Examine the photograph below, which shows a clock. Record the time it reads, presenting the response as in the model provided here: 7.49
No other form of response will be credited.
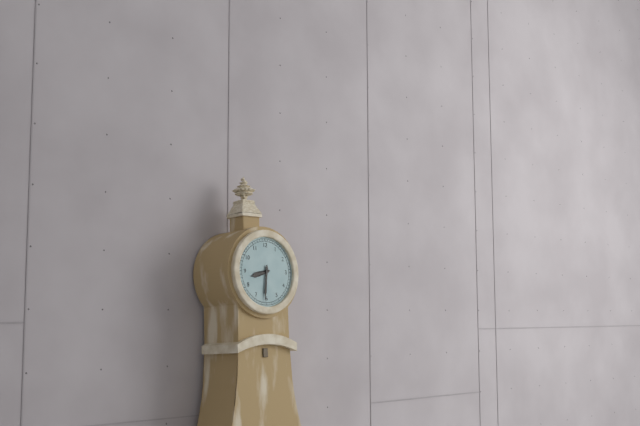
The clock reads 8.31
